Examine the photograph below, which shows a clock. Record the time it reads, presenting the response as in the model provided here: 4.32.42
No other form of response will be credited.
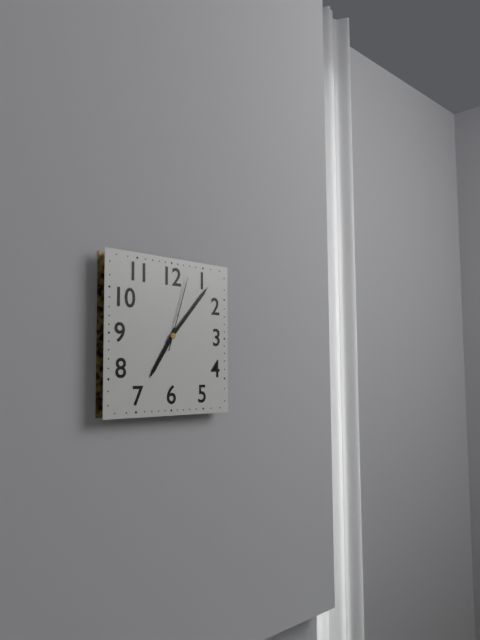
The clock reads 7.07.03
